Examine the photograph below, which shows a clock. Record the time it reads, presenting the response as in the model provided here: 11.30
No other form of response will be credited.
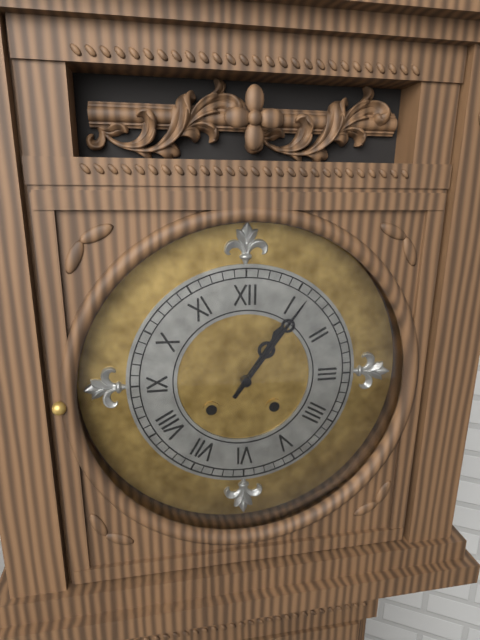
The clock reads 1.06
